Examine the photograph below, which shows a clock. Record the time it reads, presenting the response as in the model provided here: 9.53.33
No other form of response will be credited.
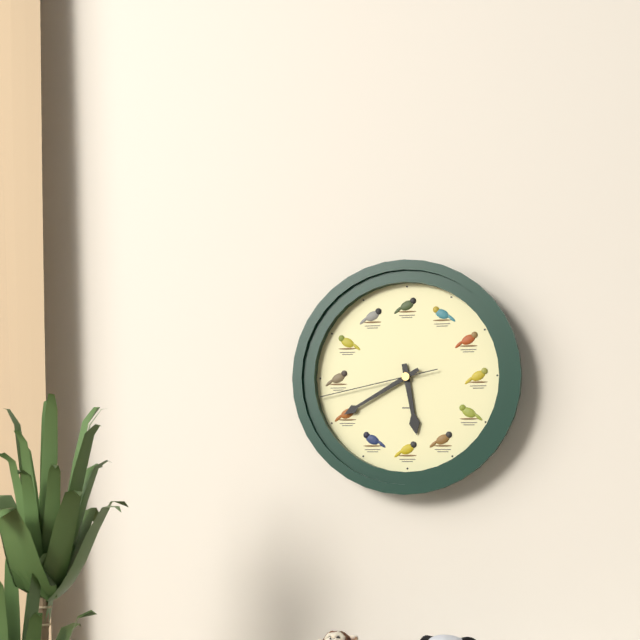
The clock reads 5.40.43
